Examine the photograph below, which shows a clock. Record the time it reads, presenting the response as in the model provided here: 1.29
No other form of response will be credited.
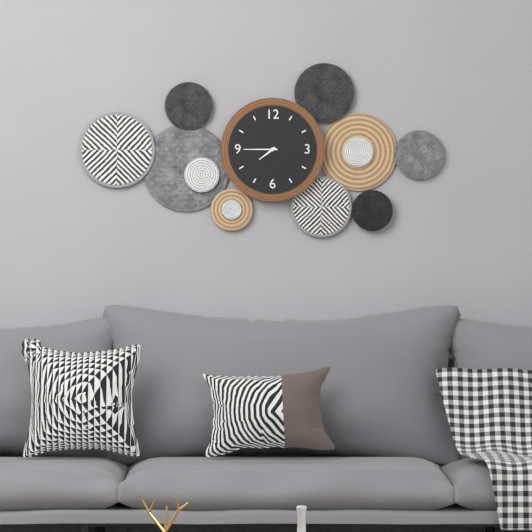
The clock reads 7.45
